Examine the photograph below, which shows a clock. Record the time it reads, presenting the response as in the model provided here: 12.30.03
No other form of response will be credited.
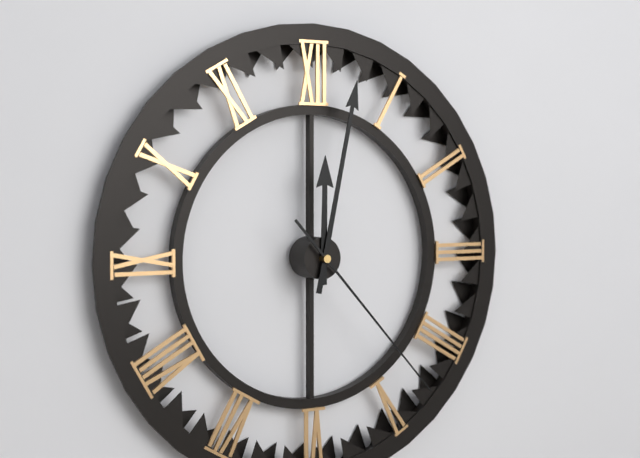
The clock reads 12.02.23
